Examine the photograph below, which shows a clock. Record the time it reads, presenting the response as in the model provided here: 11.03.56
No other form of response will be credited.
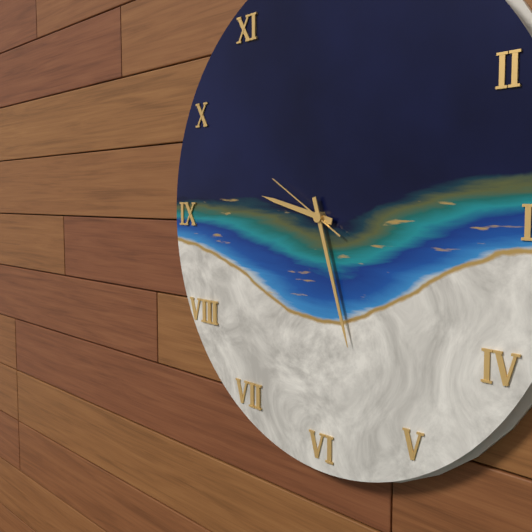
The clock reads 9.27.50
